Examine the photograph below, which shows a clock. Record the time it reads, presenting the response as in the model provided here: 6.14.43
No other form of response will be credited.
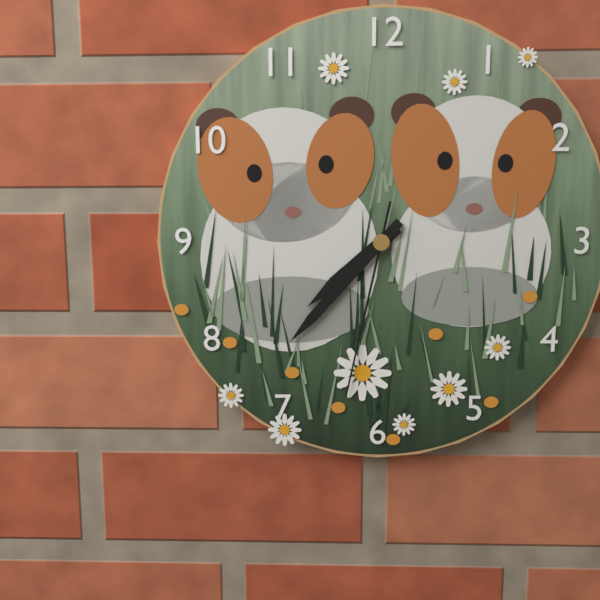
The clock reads 7.37.32
